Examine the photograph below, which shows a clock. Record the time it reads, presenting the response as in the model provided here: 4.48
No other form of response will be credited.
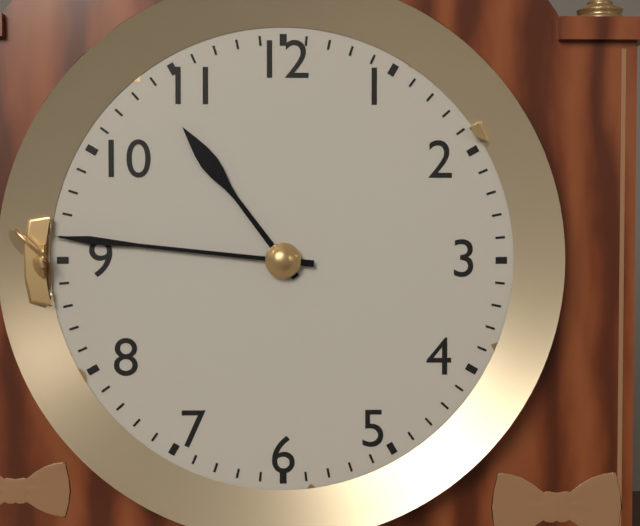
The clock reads 10.46
